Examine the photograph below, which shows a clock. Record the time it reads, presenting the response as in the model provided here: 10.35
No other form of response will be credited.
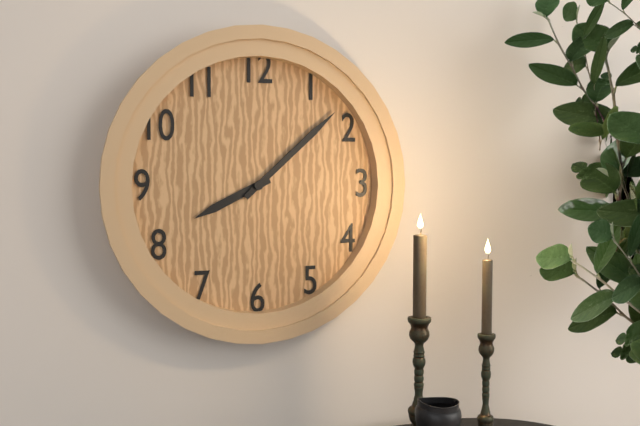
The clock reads 8.08
